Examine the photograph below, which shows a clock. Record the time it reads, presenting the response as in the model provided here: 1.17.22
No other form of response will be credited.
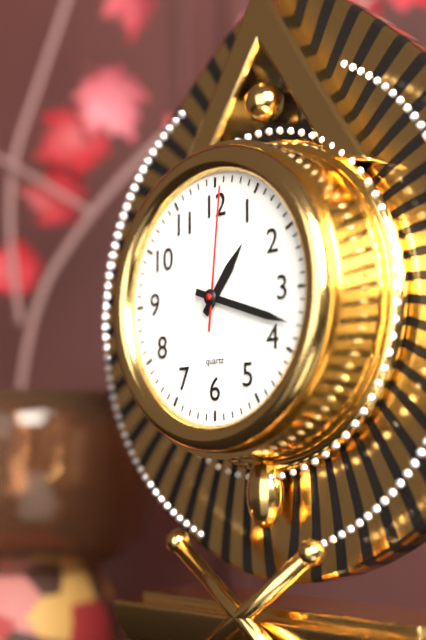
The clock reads 1.18.01
